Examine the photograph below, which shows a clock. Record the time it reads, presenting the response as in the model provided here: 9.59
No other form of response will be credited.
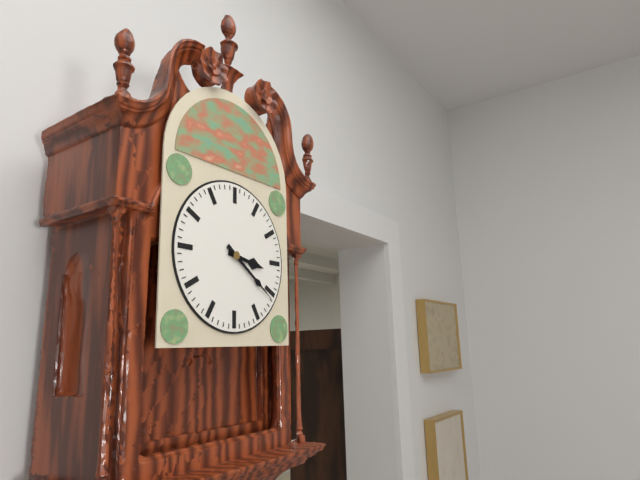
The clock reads 3.21
